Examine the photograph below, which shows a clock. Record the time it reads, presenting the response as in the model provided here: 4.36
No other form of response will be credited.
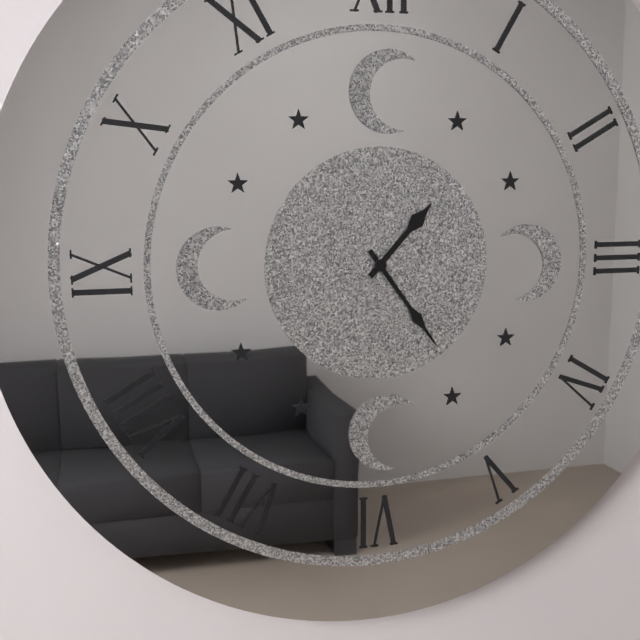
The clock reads 1.24
